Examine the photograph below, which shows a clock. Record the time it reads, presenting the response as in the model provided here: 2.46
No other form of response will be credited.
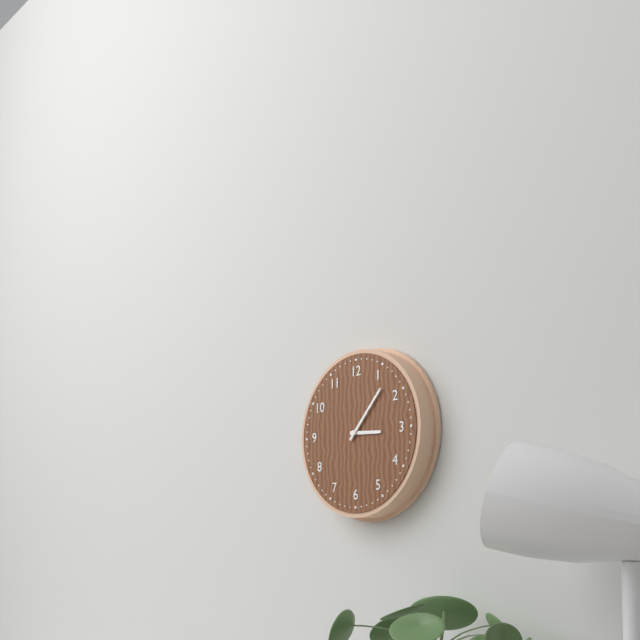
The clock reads 3.07
